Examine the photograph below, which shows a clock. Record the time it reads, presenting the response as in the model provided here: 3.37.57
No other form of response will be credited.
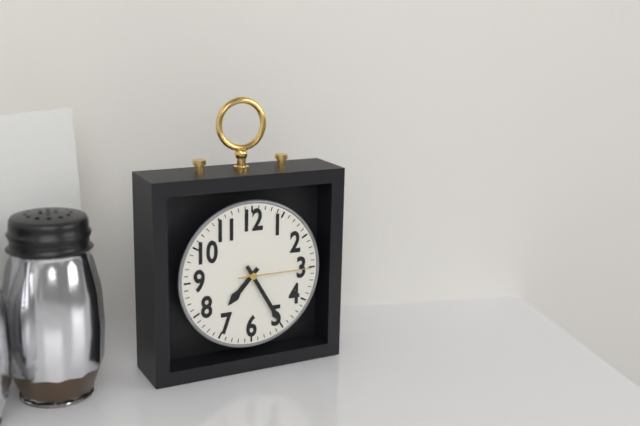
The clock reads 7.25.15
